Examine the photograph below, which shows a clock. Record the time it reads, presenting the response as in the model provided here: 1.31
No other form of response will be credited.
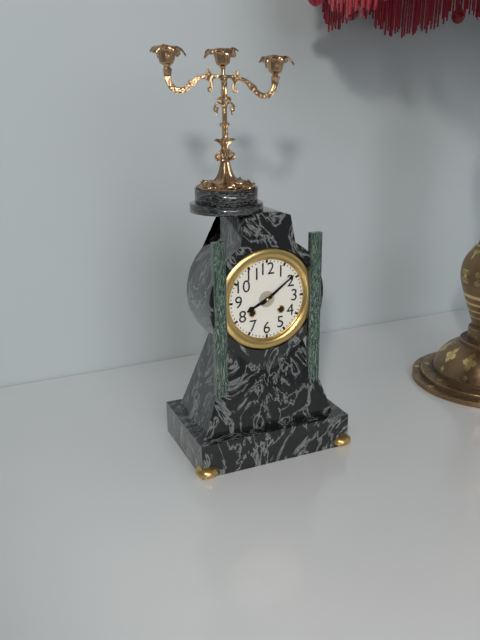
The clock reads 8.09
